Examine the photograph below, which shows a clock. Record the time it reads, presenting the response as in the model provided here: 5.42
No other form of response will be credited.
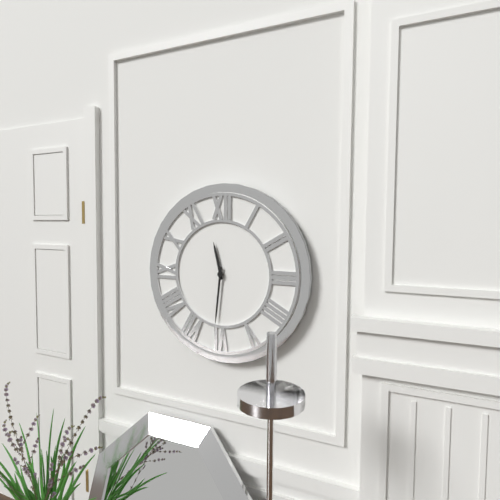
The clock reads 11.31
